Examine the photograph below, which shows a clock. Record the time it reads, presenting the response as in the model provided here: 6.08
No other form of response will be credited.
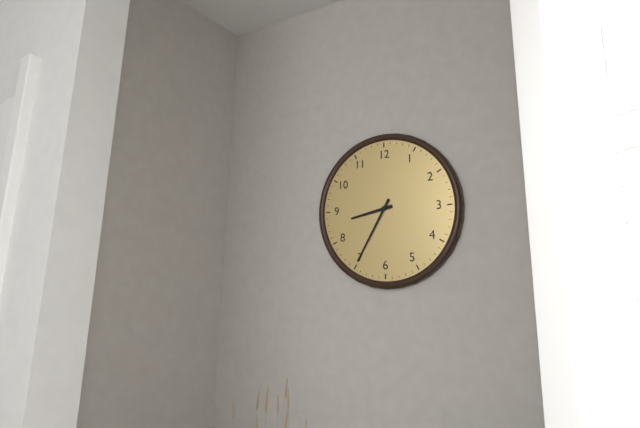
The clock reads 8.35
